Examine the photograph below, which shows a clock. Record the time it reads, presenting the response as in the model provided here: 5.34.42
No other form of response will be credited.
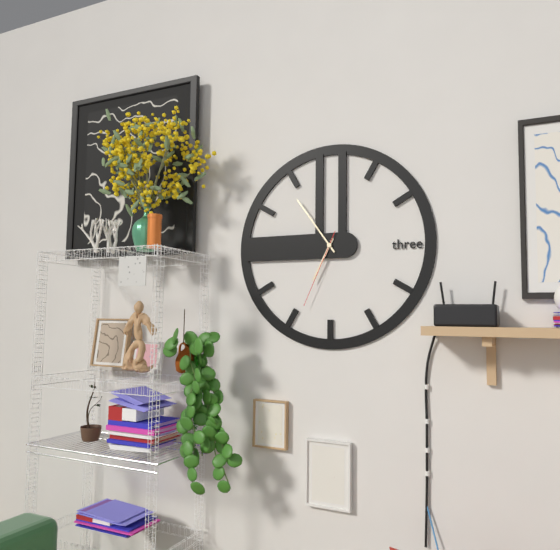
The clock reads 6.54.34
